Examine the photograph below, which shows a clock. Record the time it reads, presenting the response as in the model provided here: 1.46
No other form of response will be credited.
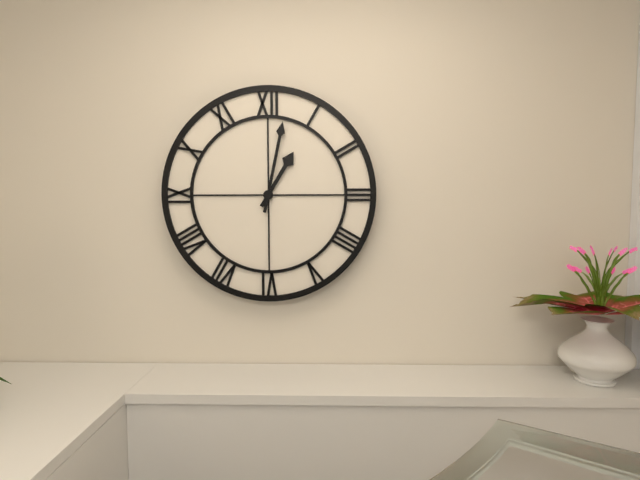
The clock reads 1.02
